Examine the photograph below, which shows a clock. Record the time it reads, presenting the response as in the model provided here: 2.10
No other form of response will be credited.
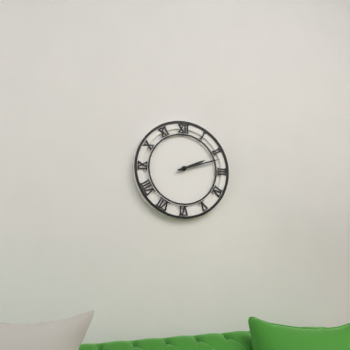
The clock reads 2.12
